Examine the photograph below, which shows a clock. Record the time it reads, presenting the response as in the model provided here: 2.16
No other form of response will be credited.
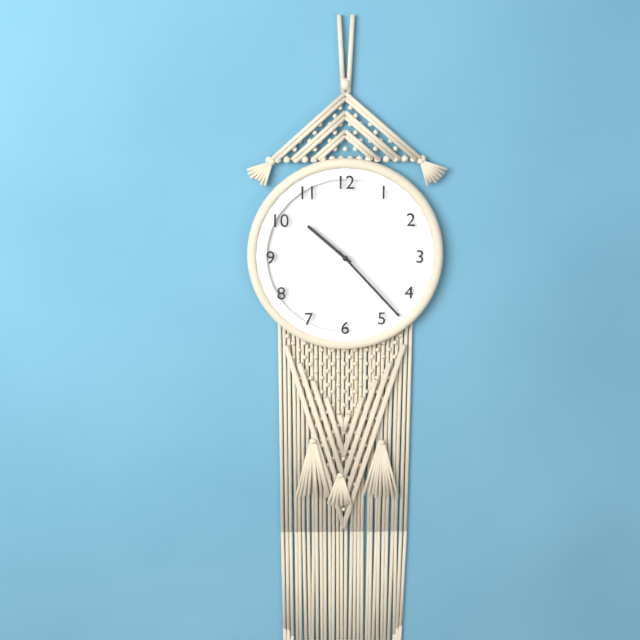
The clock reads 10.23
